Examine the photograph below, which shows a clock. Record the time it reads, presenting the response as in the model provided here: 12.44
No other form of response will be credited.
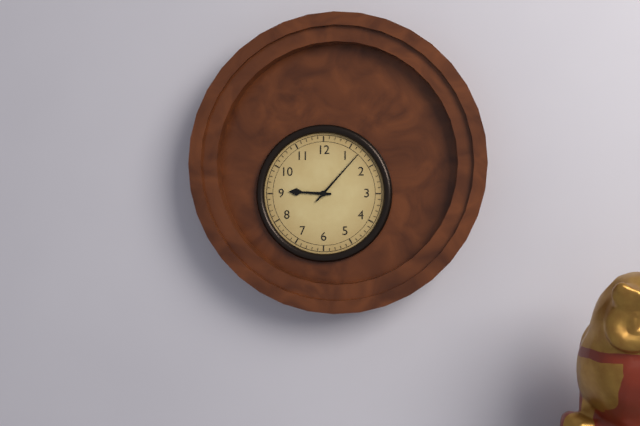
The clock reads 9.07
